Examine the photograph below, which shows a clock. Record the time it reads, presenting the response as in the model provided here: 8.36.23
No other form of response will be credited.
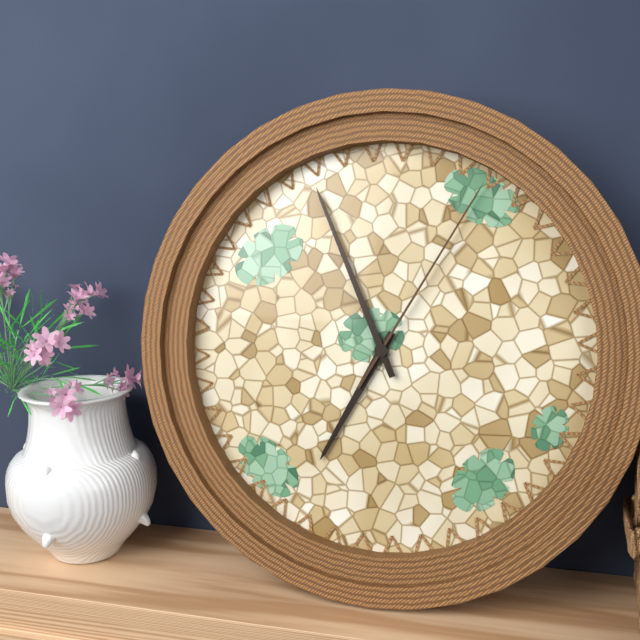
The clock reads 6.56.05
